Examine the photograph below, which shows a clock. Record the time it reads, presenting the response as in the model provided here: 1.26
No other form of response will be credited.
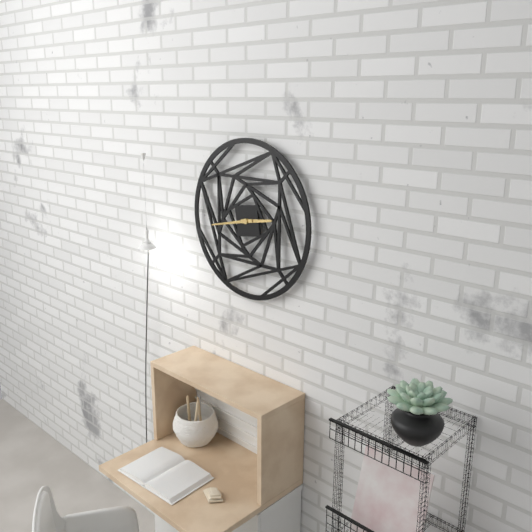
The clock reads 2.43
